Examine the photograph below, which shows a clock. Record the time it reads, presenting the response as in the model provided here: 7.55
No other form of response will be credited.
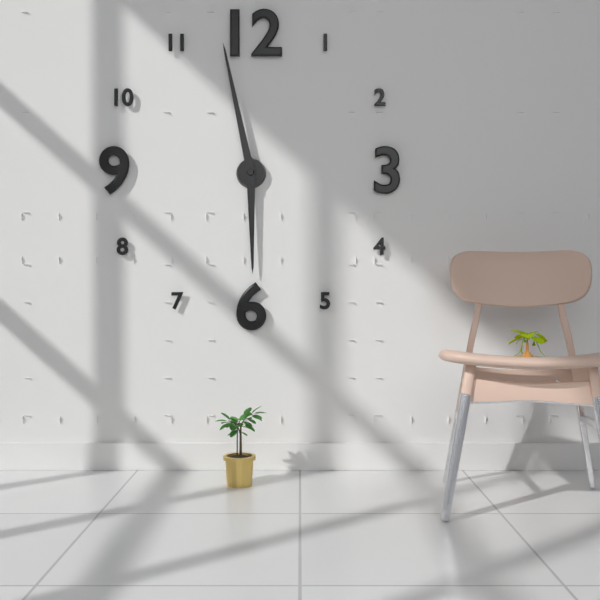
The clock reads 5.58
